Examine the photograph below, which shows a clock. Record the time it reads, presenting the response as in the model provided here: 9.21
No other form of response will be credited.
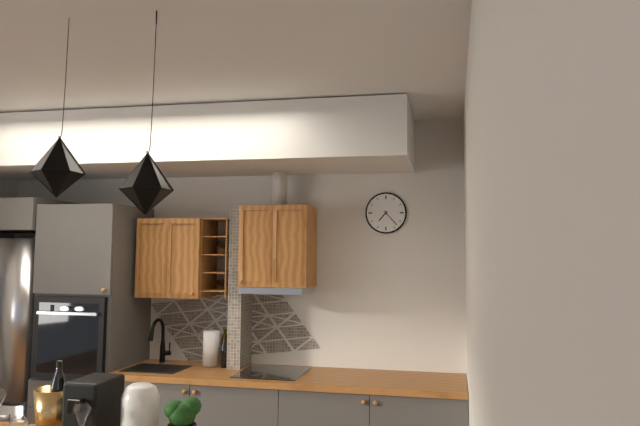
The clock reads 7.23
